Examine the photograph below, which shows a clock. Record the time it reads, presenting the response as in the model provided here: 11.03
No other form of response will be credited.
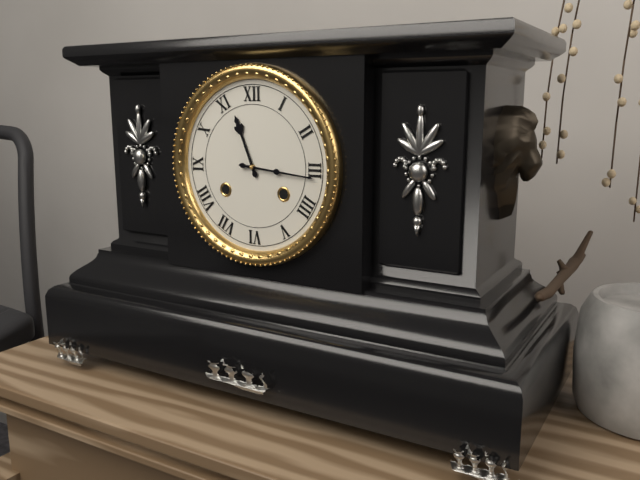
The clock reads 11.16
